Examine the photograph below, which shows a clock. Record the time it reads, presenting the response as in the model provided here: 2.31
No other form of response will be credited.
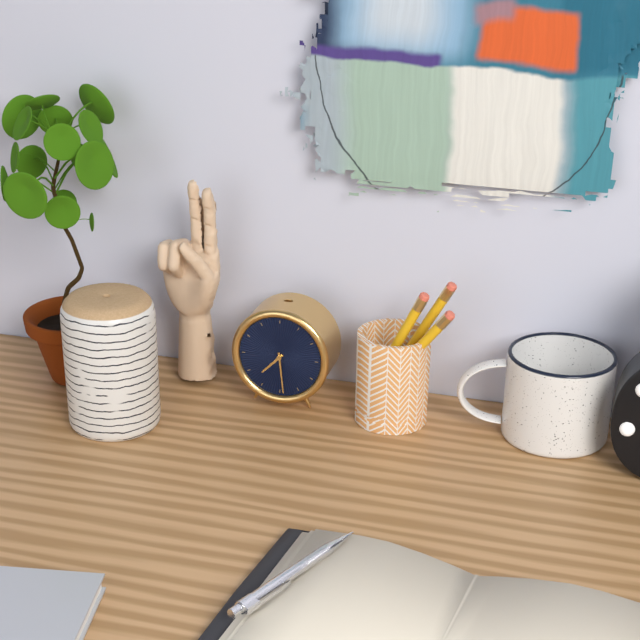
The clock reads 7.29
